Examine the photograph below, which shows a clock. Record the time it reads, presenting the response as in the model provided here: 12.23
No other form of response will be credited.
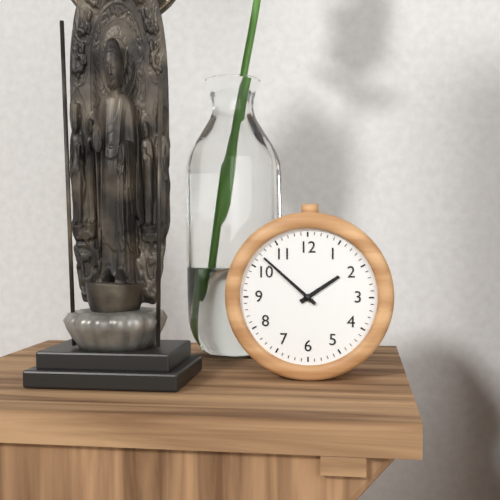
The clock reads 1.52
